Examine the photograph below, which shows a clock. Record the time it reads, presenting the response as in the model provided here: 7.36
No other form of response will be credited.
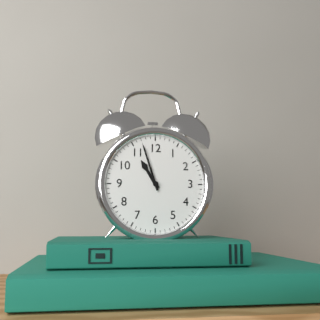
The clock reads 10.57
